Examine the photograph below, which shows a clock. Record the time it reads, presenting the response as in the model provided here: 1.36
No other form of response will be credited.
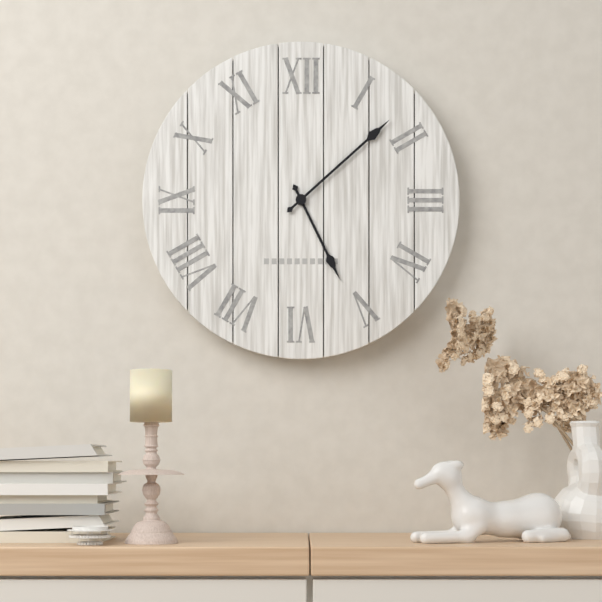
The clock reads 5.08
